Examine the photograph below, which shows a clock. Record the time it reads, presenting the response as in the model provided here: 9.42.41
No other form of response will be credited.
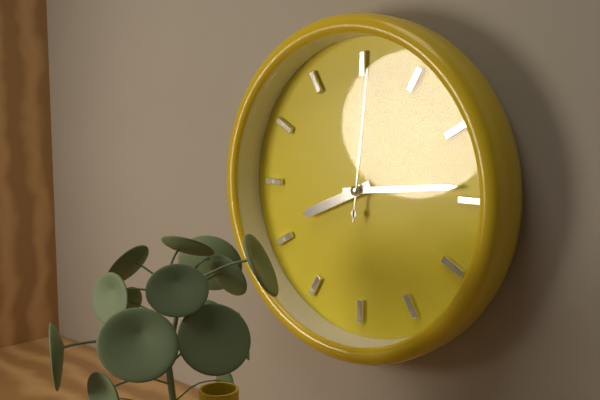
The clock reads 8.14.01
